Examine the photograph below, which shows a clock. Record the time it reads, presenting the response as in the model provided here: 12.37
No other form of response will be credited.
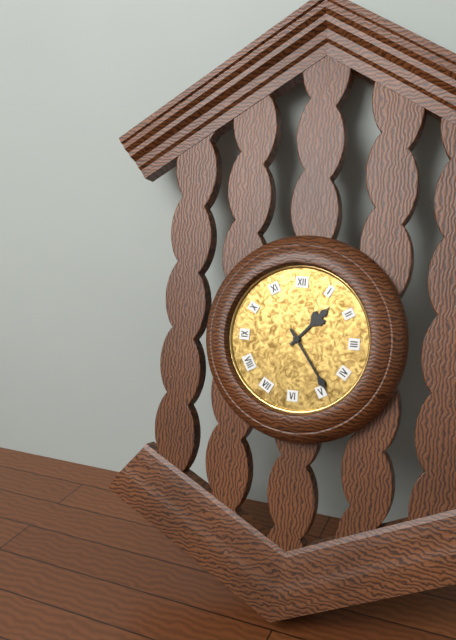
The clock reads 1.24
